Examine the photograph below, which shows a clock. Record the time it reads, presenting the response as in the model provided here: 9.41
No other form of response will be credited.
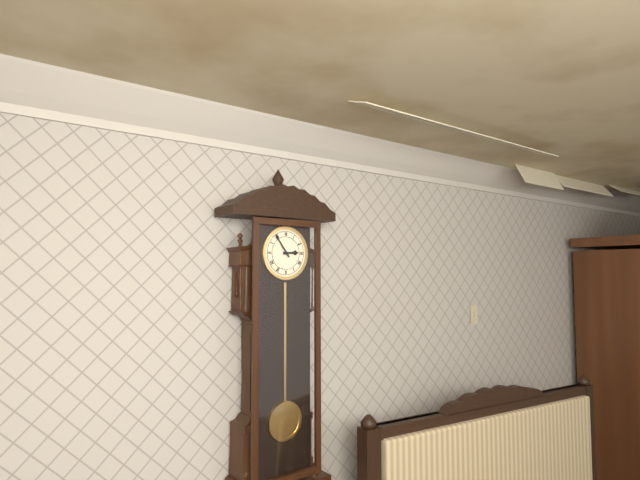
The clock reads 2.54
